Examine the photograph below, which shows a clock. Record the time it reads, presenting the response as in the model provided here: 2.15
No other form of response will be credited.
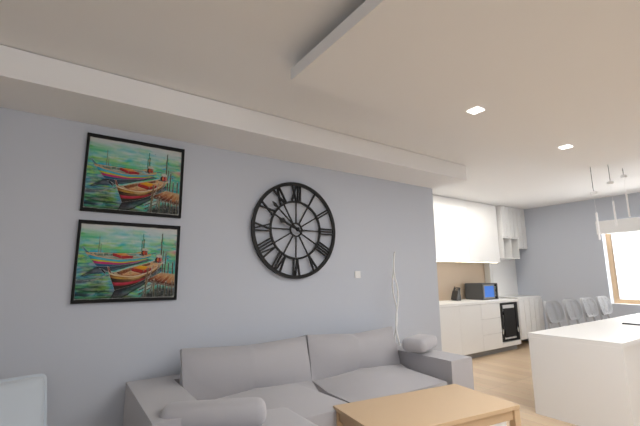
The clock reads 9.52
